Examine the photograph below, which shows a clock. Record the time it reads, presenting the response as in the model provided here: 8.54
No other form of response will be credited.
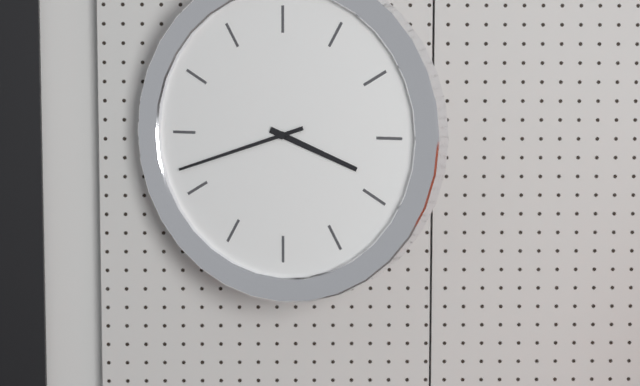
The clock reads 3.42
